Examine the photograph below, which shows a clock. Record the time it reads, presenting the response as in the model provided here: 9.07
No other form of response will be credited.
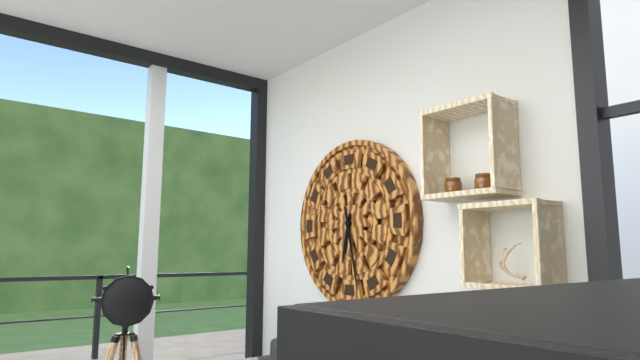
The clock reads 6.28
